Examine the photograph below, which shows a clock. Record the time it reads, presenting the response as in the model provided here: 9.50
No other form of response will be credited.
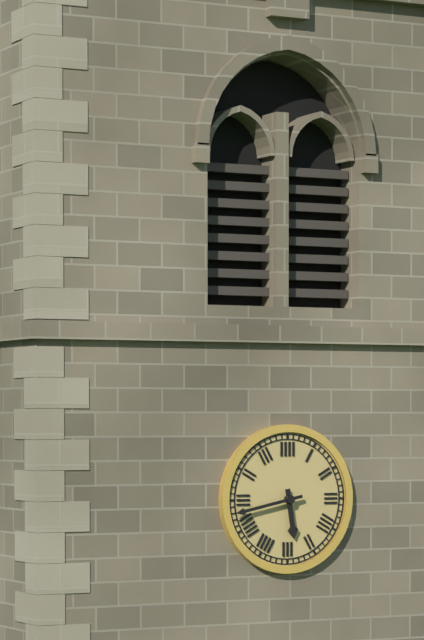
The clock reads 5.43
